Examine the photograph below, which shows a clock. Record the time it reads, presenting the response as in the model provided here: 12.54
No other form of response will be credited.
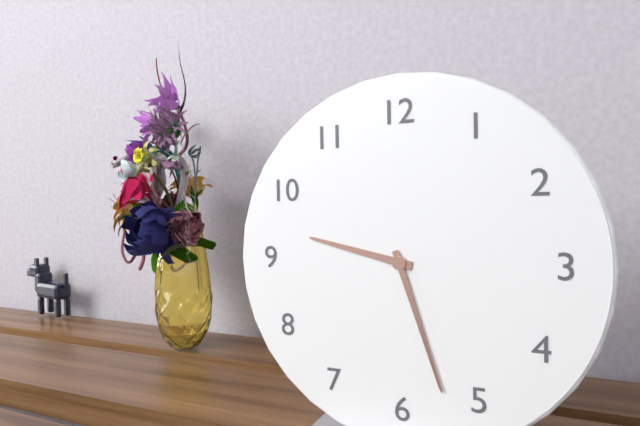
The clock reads 9.27
